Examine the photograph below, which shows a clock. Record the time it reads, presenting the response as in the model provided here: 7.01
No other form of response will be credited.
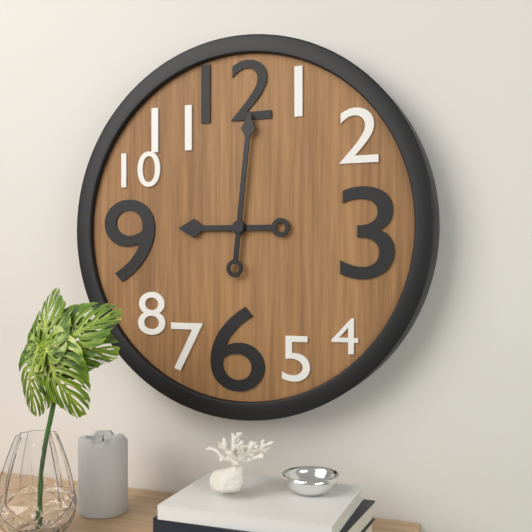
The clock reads 9.01
